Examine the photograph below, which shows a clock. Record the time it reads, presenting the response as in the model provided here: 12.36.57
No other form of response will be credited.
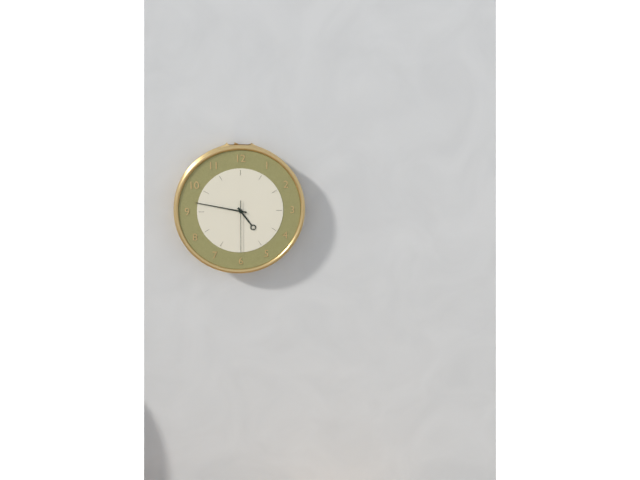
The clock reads 4.47.30
